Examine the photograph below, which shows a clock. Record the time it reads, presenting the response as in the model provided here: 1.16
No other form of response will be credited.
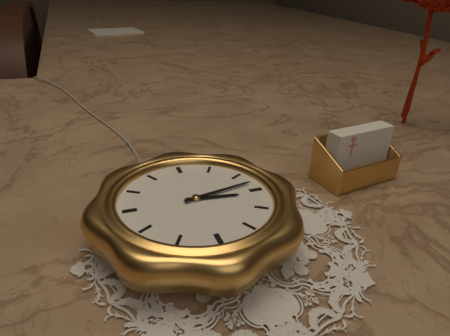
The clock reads 3.13
